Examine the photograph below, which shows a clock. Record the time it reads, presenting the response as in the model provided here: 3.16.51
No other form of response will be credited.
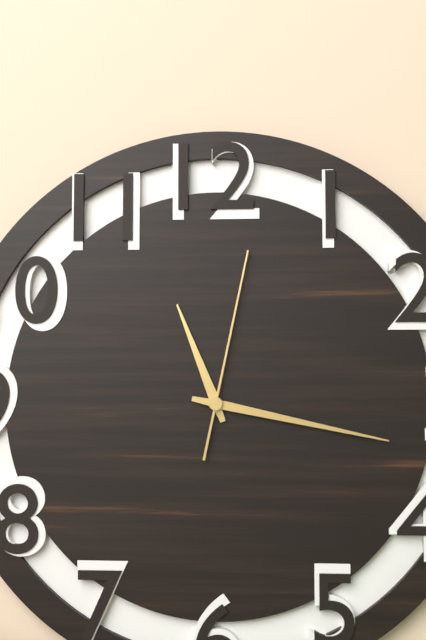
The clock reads 11.17.02
